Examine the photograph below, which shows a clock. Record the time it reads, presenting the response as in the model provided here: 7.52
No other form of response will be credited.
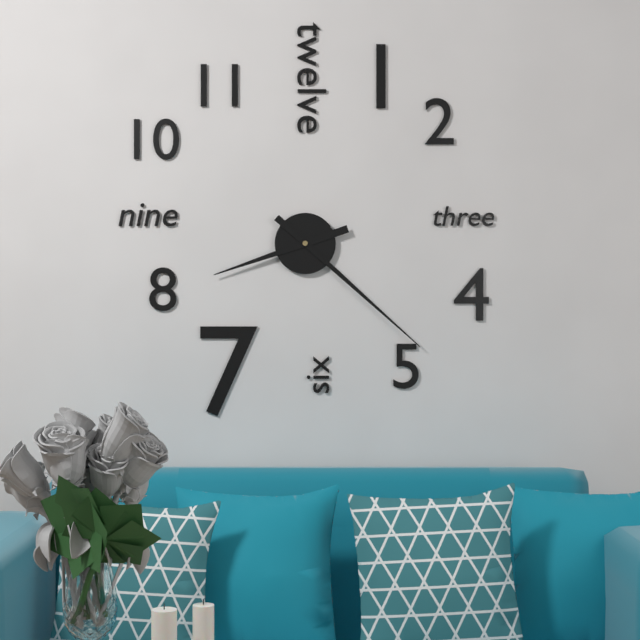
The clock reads 8.22
